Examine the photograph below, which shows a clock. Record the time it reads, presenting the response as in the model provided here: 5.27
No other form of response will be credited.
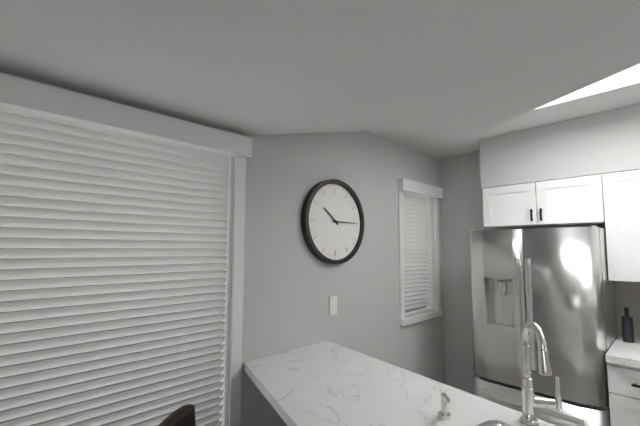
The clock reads 10.15
